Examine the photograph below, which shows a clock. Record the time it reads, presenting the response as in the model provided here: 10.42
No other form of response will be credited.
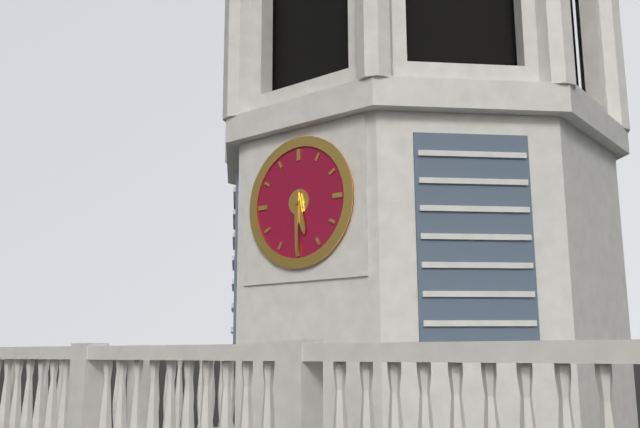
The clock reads 5.30
